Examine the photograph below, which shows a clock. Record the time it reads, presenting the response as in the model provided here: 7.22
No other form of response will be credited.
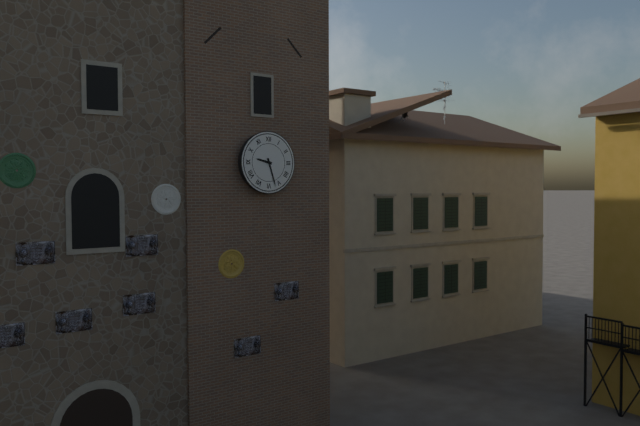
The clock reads 9.27
